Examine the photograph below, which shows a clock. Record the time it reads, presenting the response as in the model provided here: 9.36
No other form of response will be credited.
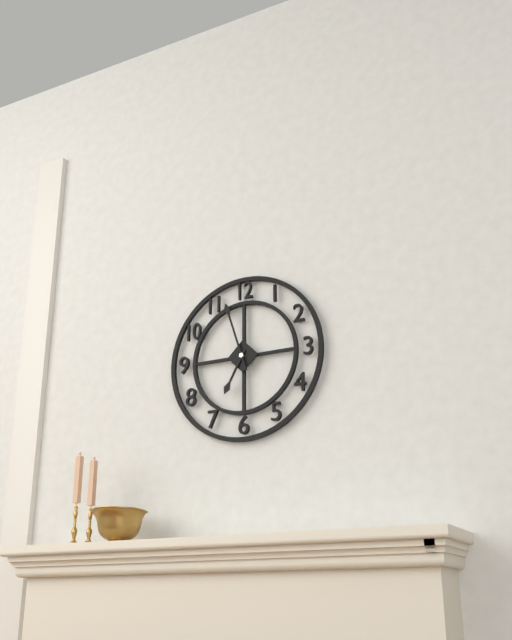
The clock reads 6.57
